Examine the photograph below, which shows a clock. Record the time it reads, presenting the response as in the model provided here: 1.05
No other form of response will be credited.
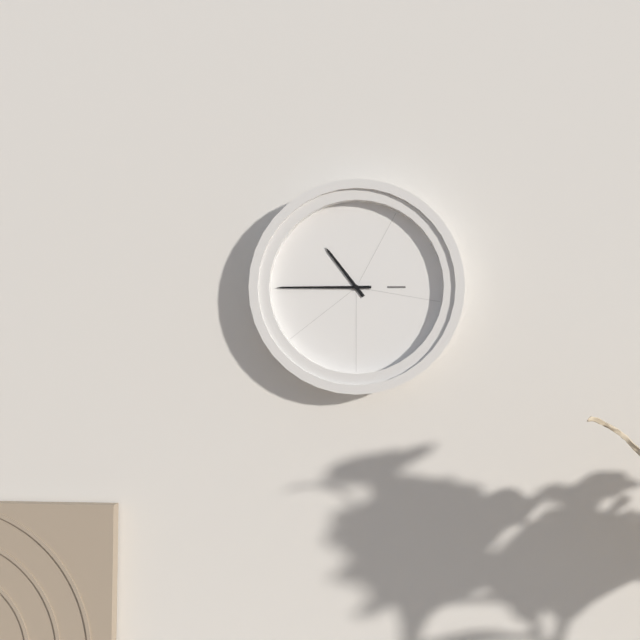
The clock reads 10.45
